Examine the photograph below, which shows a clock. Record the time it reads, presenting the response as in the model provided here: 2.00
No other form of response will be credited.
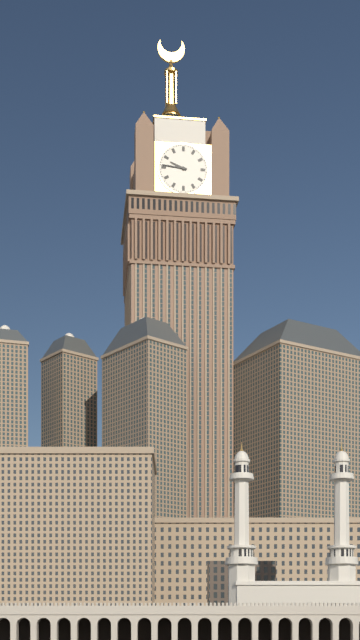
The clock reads 9.46
